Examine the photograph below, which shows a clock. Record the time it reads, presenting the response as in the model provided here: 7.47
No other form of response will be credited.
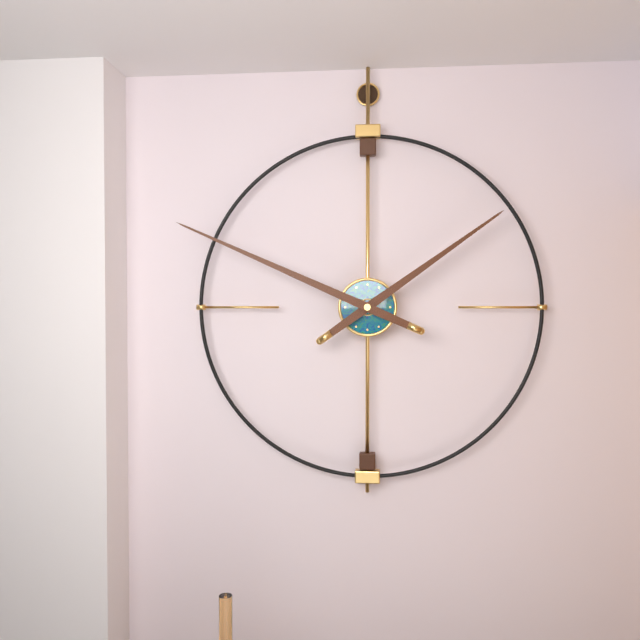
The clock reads 1.49
